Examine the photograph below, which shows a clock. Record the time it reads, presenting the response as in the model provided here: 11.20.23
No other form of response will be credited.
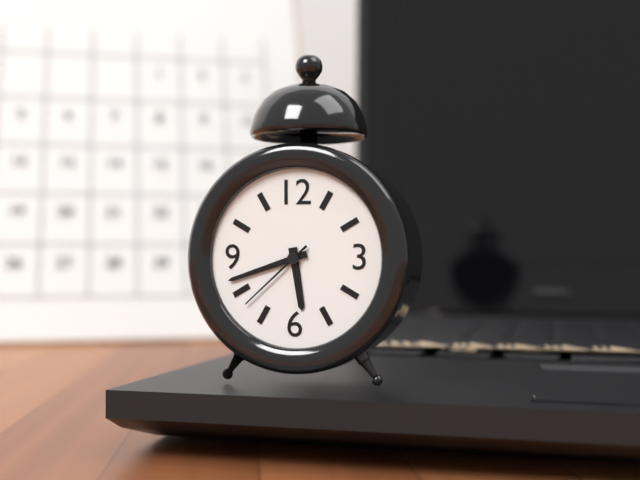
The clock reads 5.42.38
